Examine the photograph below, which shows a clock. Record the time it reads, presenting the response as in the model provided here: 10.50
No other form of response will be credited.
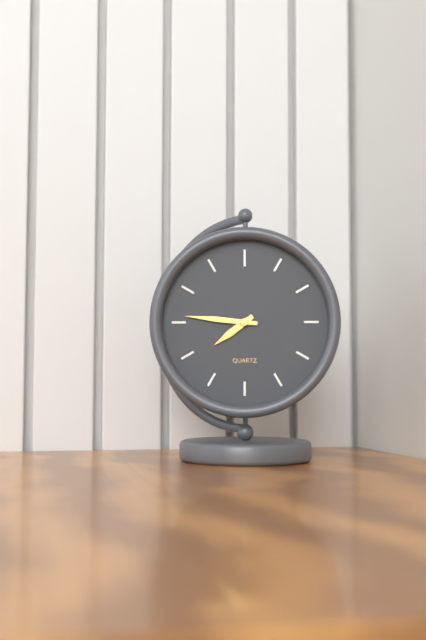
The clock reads 7.46
